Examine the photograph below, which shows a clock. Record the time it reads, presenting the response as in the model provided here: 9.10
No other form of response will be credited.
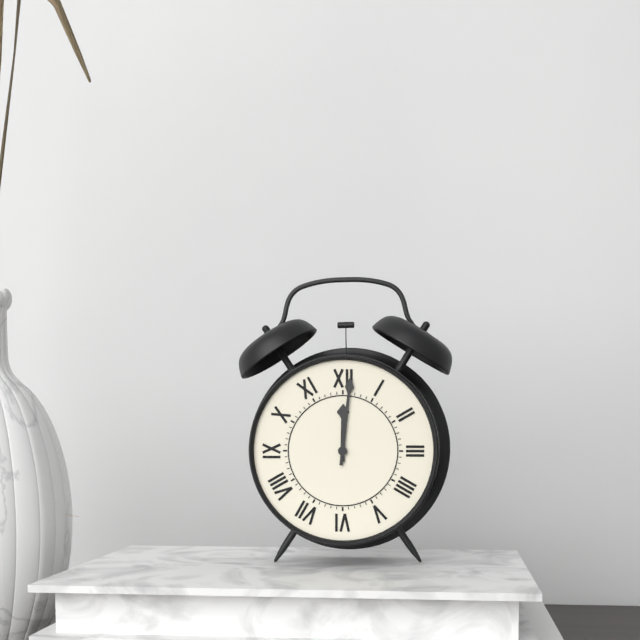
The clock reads 12.01
